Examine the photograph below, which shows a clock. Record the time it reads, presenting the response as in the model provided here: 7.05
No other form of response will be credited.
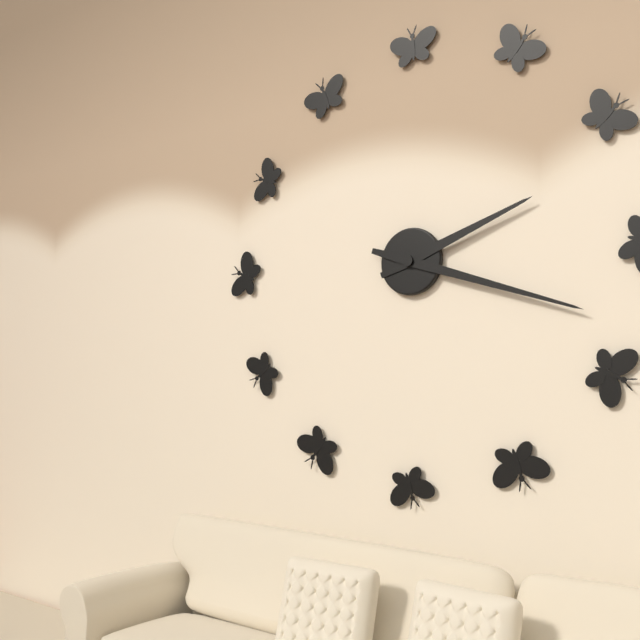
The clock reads 2.18
